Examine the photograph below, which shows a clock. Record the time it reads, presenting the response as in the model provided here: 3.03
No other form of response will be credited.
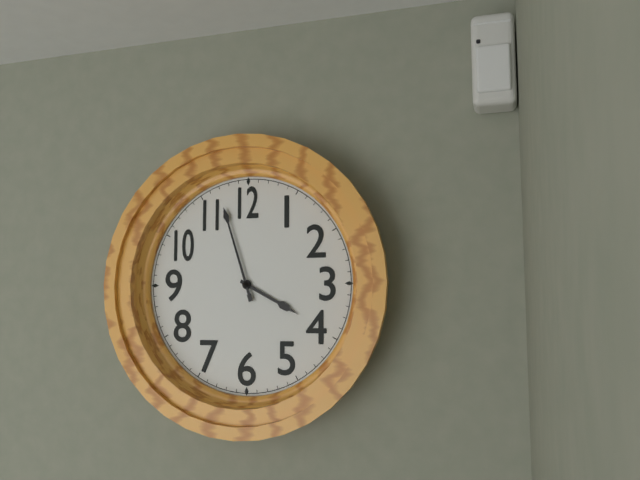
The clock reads 3.57
